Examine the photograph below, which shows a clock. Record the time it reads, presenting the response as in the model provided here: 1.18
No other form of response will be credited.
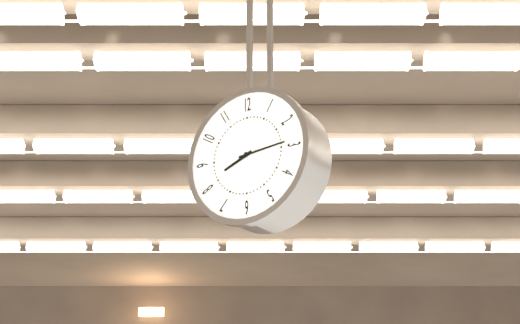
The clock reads 8.14
